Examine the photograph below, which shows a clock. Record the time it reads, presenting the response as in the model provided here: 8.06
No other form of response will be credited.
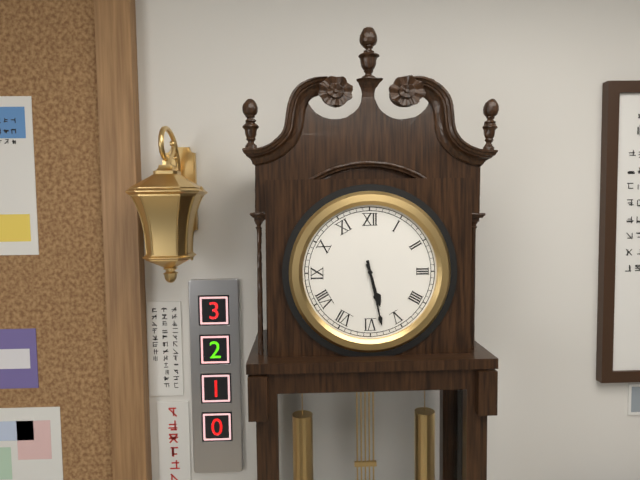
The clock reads 5.28
